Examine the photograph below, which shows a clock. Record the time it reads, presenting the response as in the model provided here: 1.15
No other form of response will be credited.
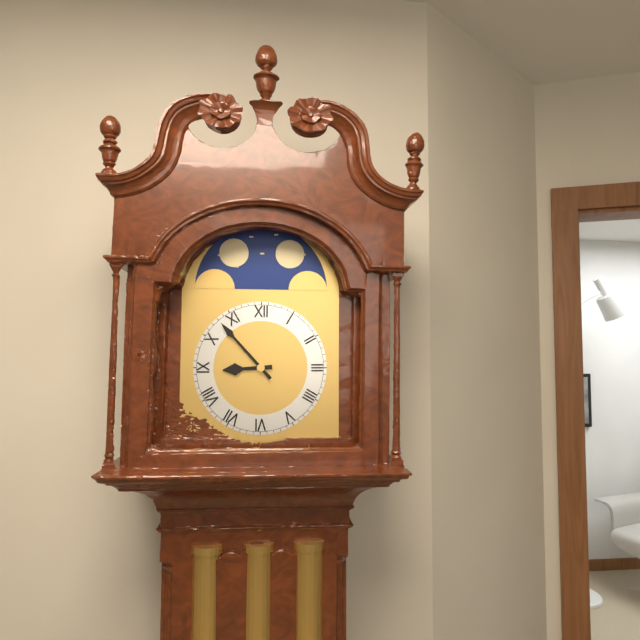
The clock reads 8.53
